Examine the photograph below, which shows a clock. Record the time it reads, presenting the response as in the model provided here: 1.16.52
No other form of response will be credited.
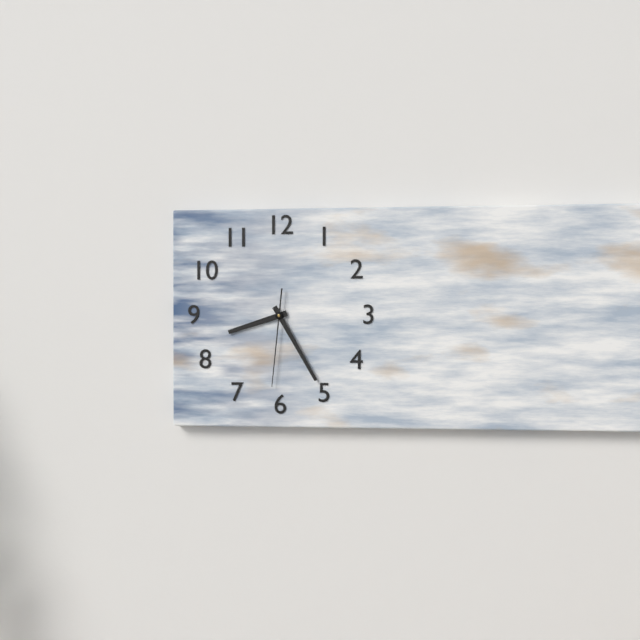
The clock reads 8.25.31
